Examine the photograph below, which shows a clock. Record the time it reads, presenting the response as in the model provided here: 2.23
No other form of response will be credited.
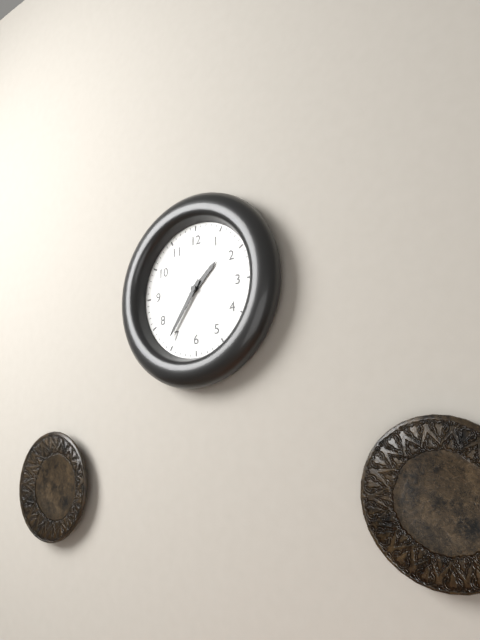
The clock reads 1.36
